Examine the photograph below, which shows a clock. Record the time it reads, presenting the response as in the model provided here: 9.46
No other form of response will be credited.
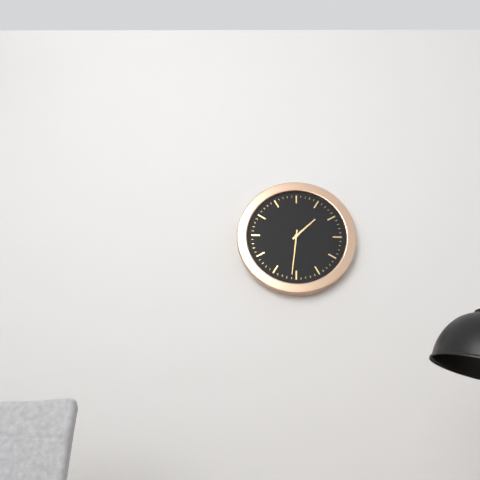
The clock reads 1.31
